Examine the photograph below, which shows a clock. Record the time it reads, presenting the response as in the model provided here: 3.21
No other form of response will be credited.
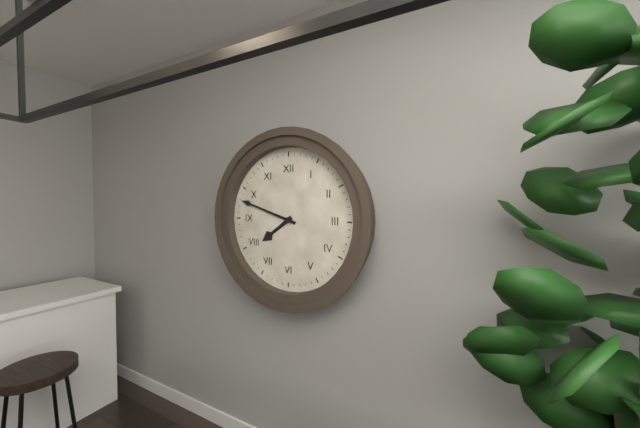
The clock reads 7.48
